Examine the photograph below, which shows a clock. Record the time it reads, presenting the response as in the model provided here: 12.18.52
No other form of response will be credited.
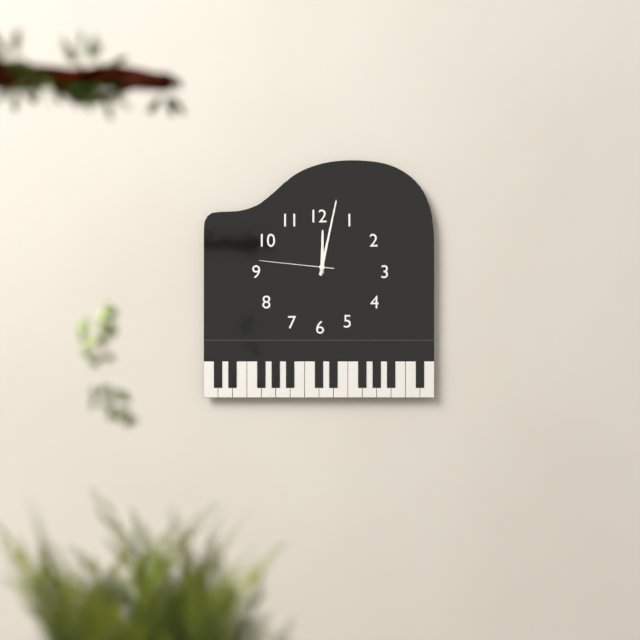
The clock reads 12.02.46
